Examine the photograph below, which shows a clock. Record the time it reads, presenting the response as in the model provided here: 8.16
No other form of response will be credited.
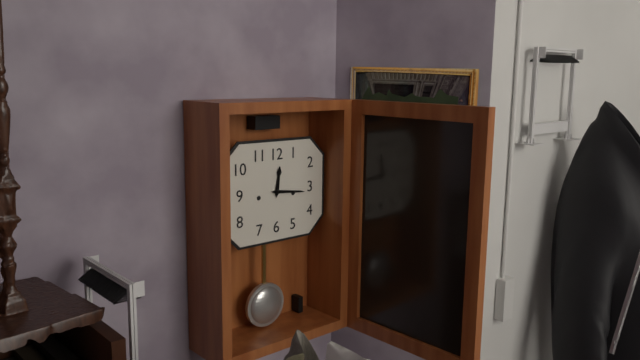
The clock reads 12.16
